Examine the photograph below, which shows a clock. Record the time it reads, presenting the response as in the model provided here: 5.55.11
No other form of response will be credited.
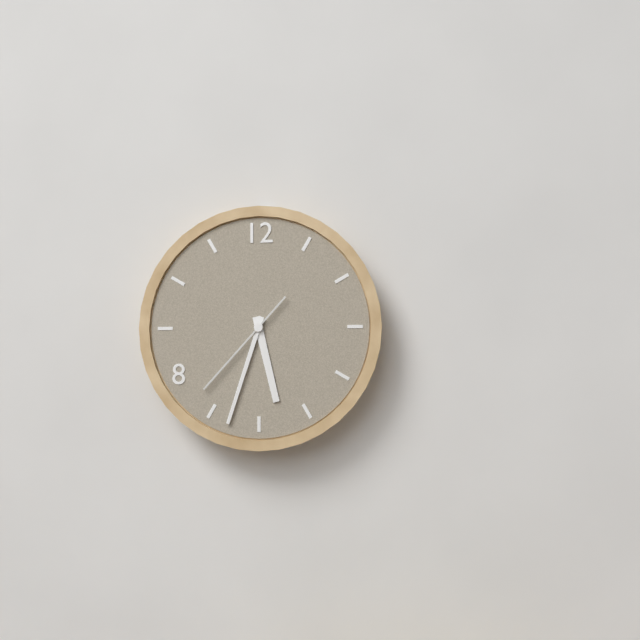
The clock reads 5.33.37
